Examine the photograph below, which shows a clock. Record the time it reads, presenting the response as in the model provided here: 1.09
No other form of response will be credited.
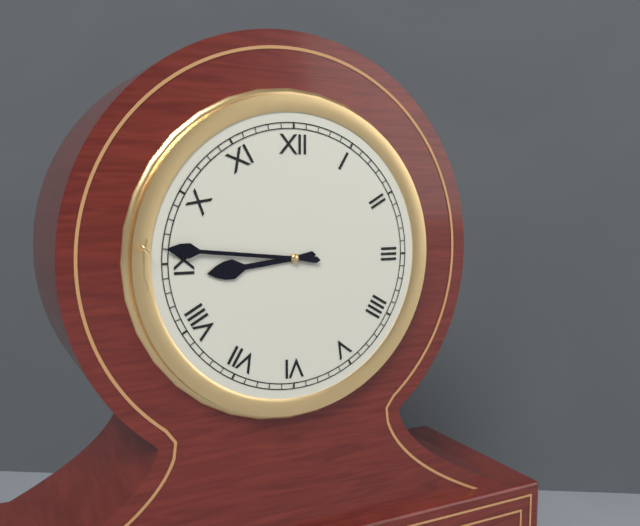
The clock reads 8.46
